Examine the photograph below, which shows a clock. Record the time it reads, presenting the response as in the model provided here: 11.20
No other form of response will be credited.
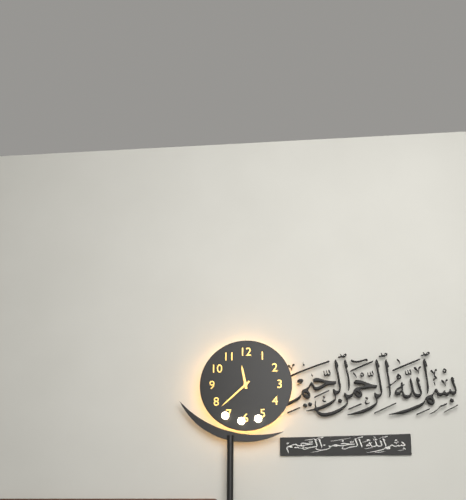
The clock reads 11.38
